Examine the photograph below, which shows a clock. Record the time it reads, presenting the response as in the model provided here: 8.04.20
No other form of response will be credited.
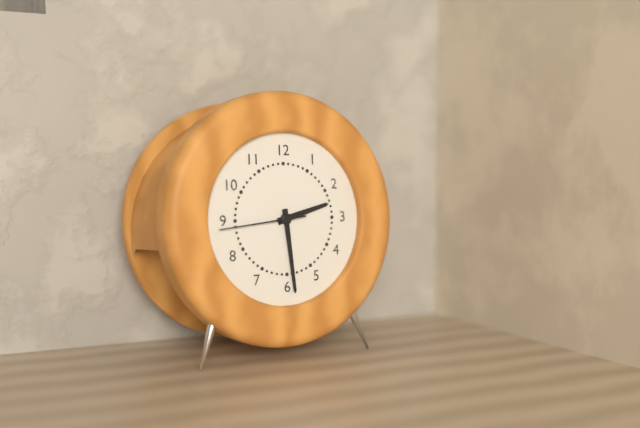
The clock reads 2.29.44
